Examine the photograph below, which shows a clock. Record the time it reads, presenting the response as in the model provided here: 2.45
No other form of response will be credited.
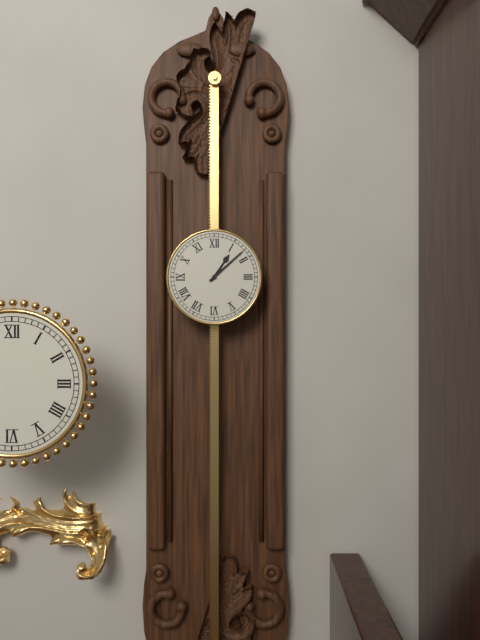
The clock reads 1.08
